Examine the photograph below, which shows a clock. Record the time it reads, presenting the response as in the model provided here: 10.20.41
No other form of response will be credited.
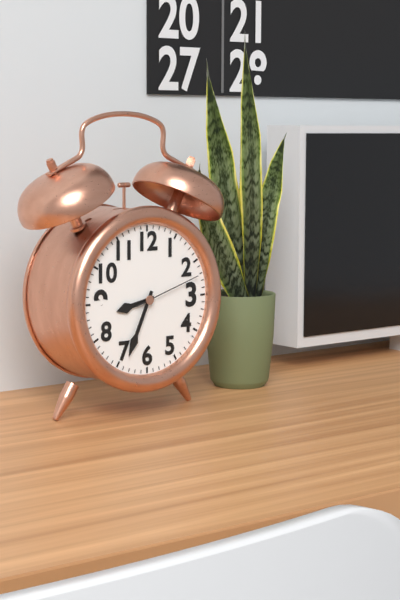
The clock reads 8.34.12
